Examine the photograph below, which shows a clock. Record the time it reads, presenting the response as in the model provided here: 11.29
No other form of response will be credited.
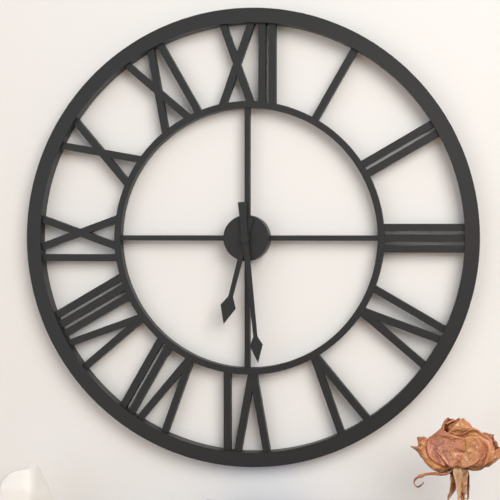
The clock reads 6.29
